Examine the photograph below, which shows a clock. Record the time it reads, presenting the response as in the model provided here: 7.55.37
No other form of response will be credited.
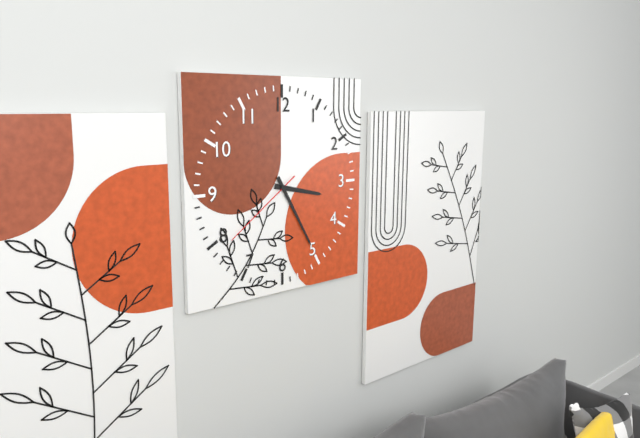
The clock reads 3.25.39
